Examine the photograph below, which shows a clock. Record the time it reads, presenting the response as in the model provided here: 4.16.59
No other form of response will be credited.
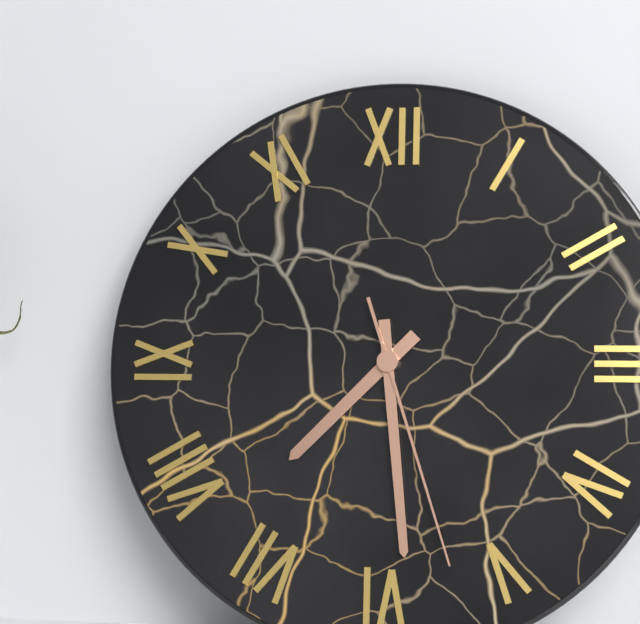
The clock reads 7.29.27
